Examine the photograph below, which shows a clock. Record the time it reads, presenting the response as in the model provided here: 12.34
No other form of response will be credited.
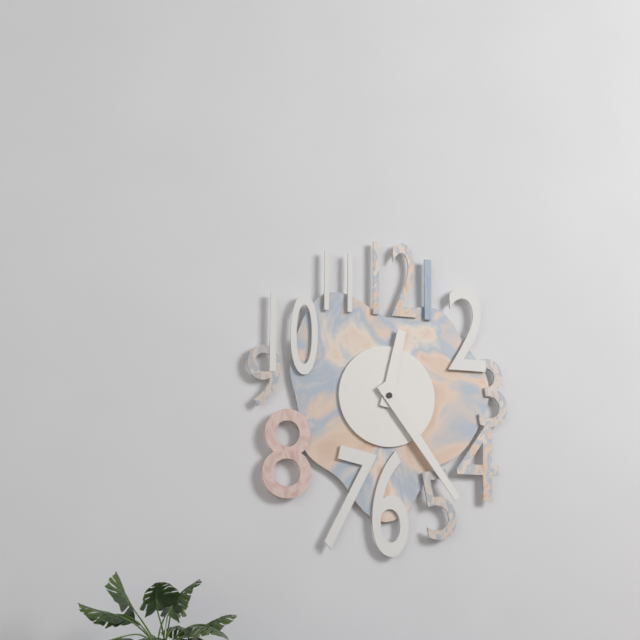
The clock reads 12.24
